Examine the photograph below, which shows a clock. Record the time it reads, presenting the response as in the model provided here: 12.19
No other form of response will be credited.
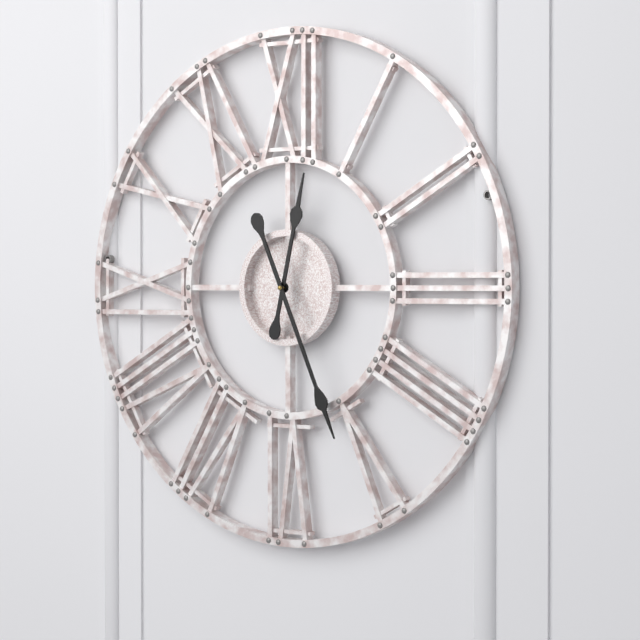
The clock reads 12.26
